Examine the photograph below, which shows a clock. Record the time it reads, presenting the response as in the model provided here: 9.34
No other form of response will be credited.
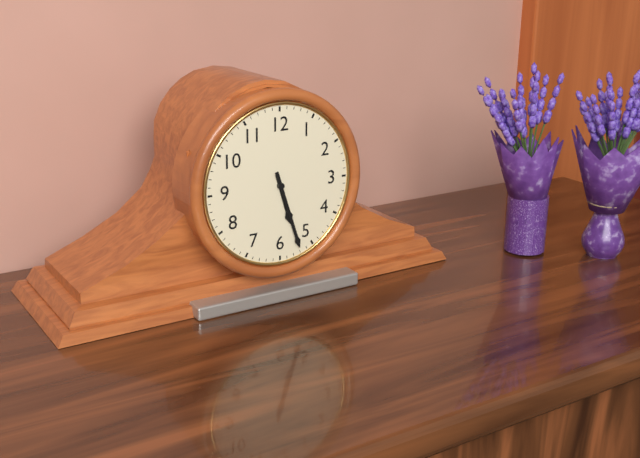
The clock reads 5.27
